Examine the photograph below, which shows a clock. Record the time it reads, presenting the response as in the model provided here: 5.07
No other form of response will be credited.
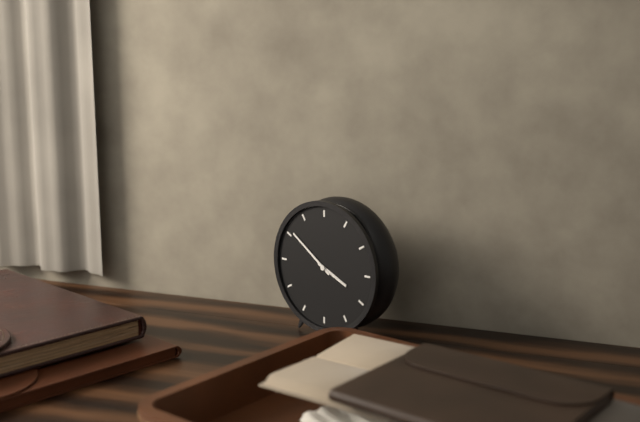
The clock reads 3.51
